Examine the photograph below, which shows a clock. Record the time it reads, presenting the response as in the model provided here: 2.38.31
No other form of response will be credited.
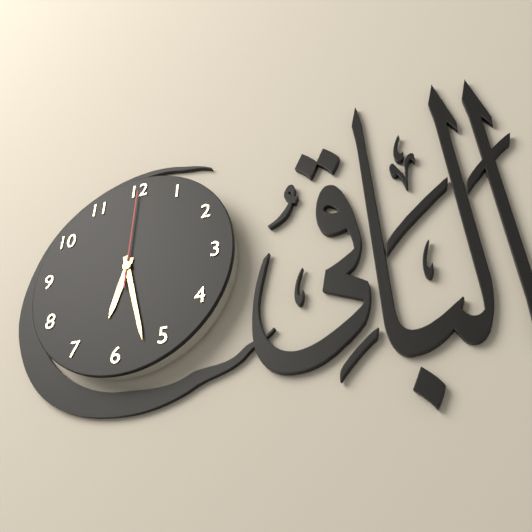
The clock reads 6.27.00
